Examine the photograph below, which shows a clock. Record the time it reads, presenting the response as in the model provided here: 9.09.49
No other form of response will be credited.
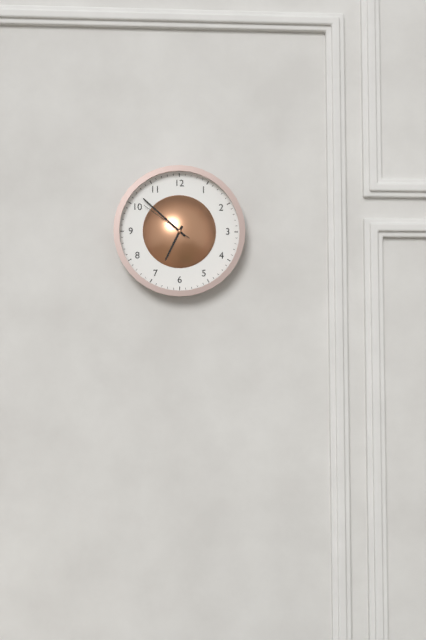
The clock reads 6.52.51
